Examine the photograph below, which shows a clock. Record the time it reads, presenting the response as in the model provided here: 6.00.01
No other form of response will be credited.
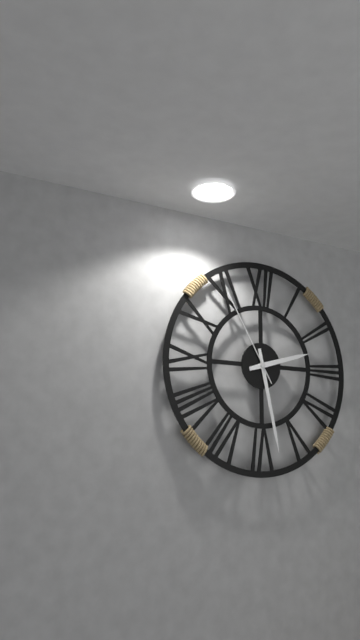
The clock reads 2.28.55
